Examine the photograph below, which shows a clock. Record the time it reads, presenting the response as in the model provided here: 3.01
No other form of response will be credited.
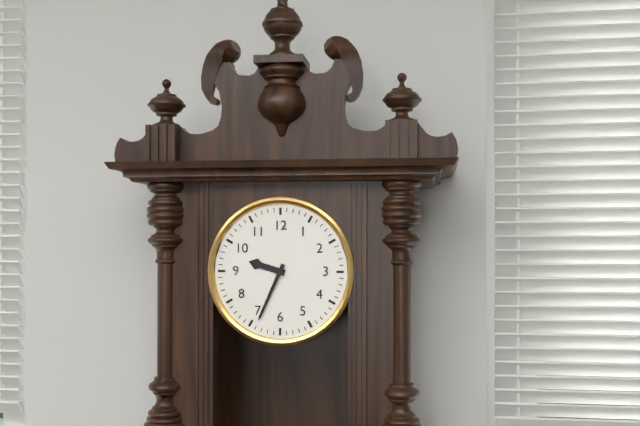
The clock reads 9.34
